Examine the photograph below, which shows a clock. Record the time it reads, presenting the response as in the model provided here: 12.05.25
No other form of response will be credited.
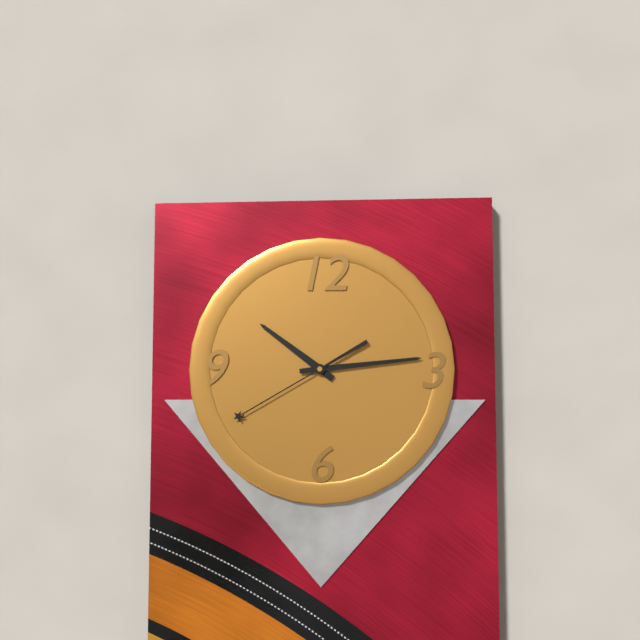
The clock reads 10.14.40
